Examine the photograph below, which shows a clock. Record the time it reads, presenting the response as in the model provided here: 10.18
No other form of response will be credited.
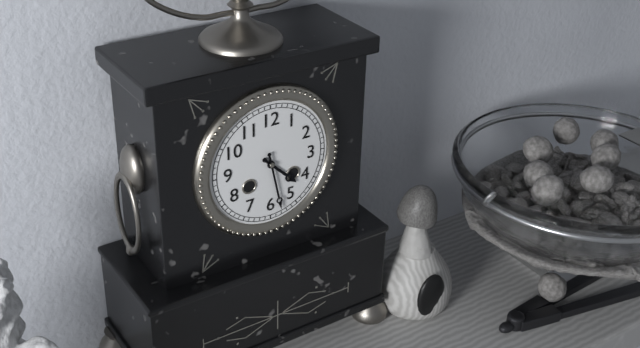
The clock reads 4.28
